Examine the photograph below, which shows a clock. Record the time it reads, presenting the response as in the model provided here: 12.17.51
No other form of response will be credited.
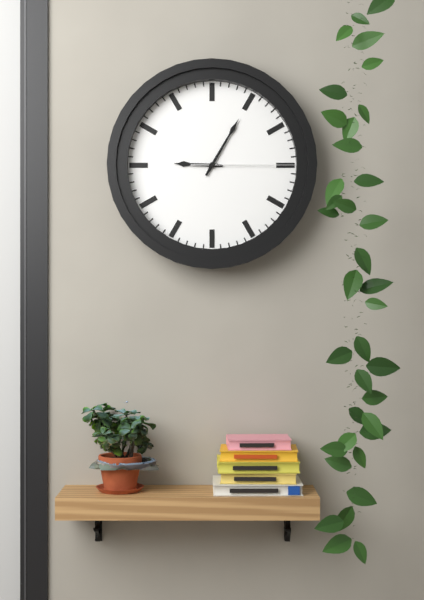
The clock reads 9.05.15
